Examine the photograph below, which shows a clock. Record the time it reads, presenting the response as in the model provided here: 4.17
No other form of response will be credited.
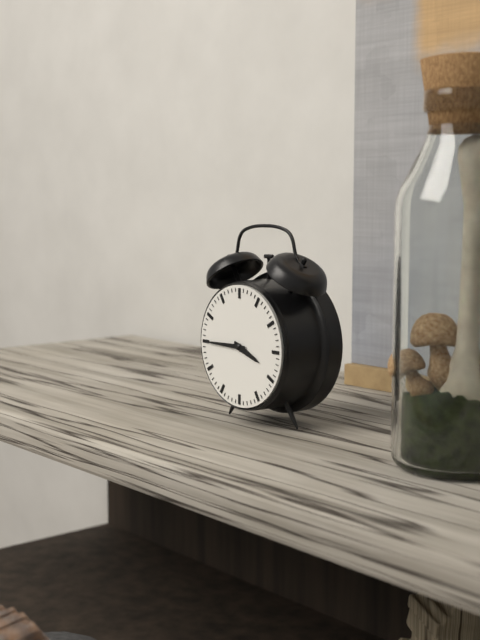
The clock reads 3.45
